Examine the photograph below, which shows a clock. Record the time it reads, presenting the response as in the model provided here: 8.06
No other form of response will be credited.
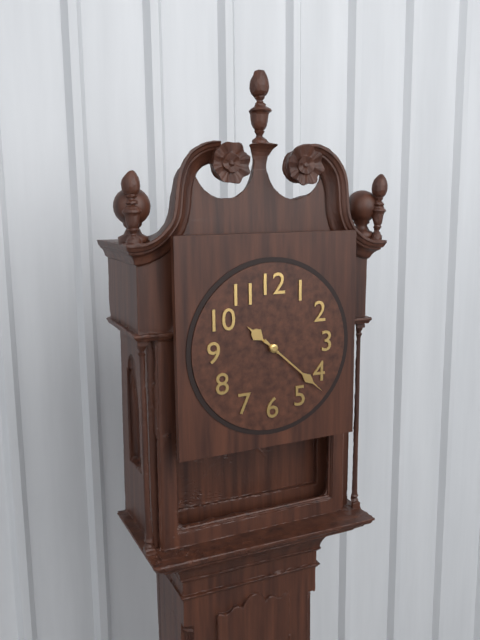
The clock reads 10.22
